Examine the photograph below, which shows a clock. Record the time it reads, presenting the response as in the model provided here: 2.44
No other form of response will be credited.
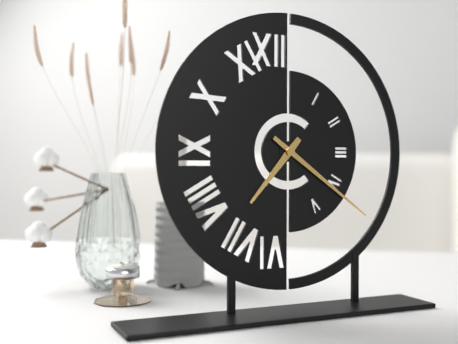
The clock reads 7.21
